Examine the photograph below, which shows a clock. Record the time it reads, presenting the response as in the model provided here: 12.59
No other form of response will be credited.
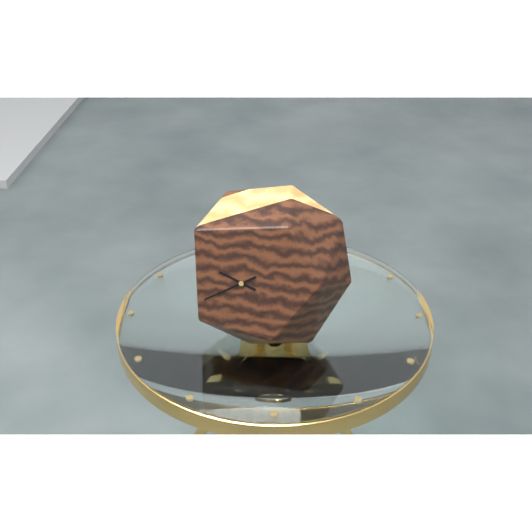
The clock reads 9.40
